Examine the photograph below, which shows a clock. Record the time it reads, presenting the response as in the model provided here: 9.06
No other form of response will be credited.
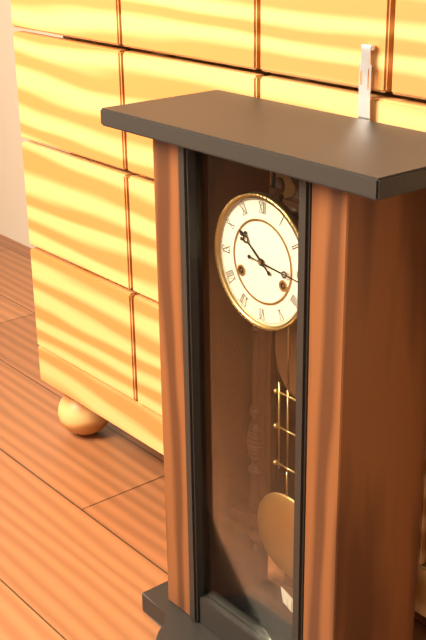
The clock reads 10.16
